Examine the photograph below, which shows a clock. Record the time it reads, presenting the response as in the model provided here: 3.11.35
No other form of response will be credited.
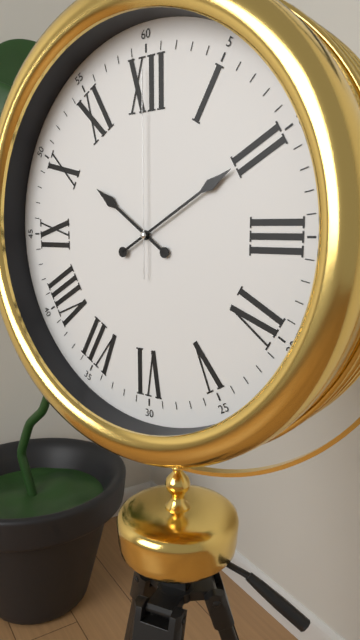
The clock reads 10.10.00
